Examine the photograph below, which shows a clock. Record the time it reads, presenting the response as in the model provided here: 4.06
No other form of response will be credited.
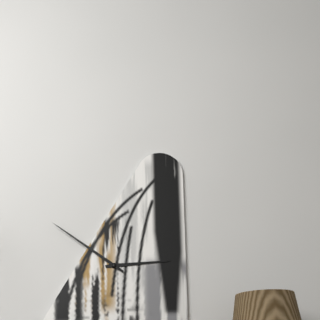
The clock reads 2.51
